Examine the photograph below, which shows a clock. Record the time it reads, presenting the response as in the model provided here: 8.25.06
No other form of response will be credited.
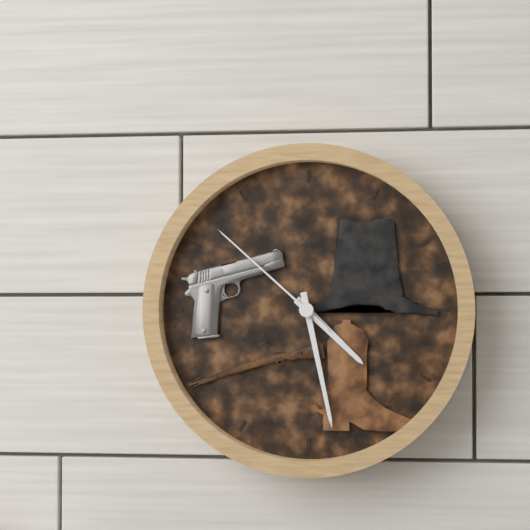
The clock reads 4.28.52
